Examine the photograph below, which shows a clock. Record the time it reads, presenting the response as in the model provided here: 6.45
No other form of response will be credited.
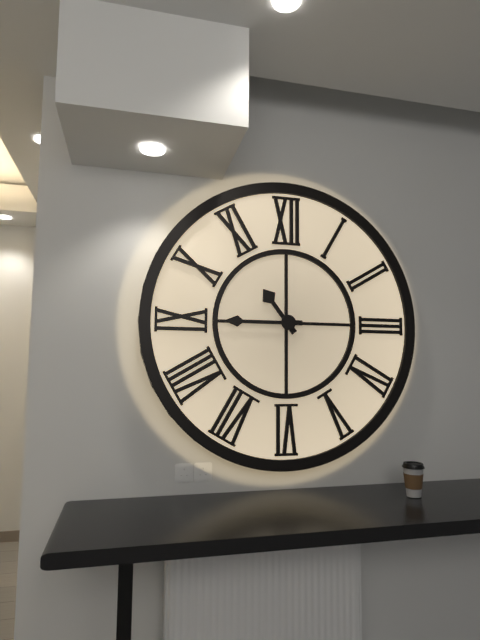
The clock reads 10.45
